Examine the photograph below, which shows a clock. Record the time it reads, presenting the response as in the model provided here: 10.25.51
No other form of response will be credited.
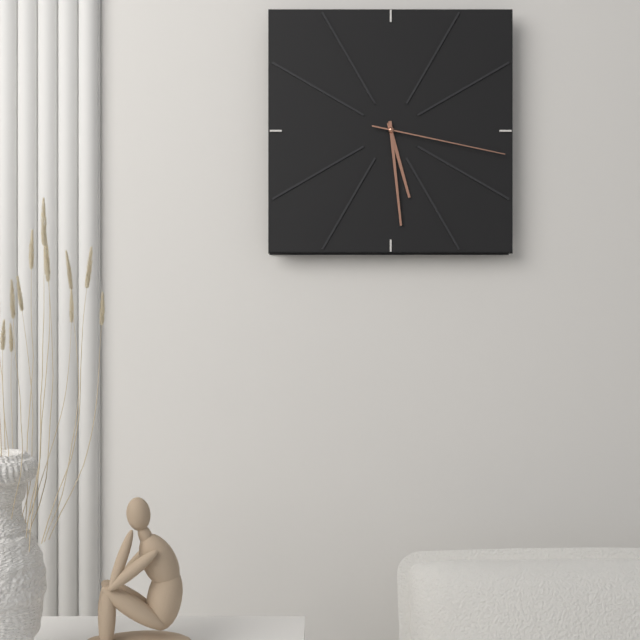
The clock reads 5.29.17
